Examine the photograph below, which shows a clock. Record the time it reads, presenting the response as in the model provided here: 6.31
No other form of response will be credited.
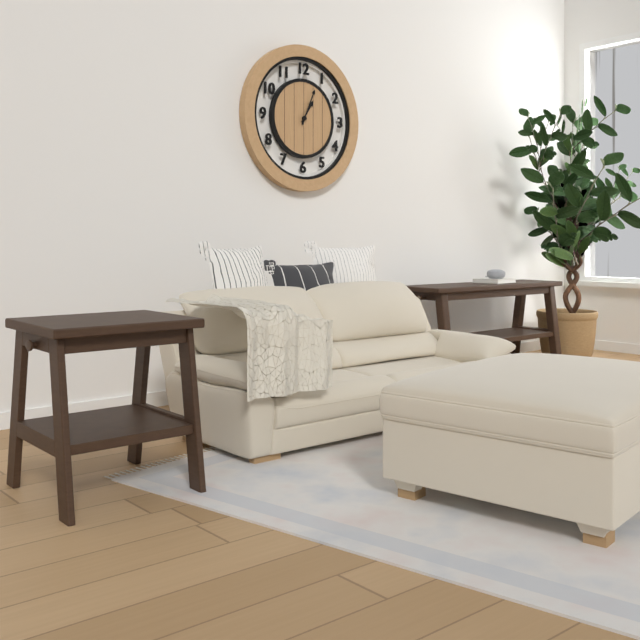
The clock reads 1.04
